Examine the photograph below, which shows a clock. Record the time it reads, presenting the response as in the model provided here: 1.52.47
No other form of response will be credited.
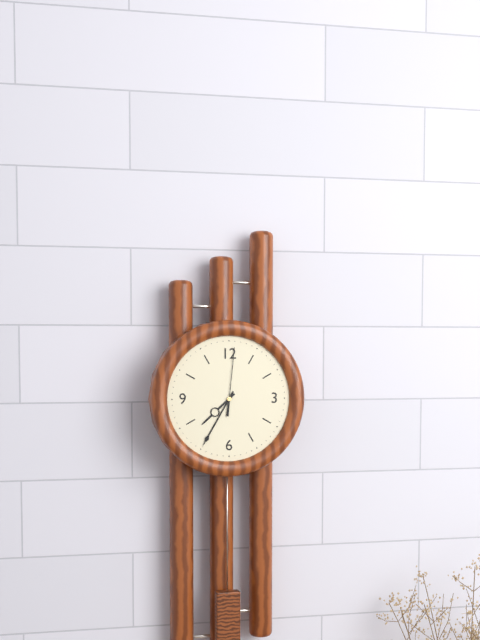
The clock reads 7.35.01
